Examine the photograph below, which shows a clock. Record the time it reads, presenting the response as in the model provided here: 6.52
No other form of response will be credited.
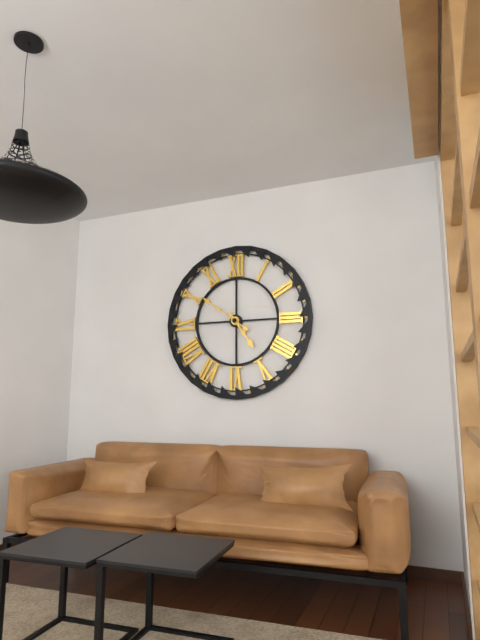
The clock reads 4.51
